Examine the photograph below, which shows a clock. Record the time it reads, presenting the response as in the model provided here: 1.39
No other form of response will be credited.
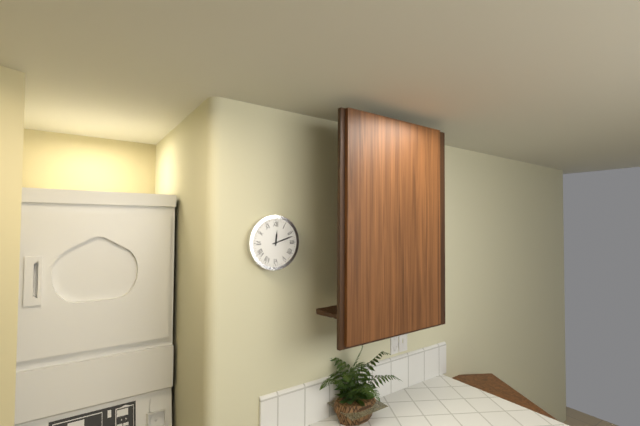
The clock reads 12.12
